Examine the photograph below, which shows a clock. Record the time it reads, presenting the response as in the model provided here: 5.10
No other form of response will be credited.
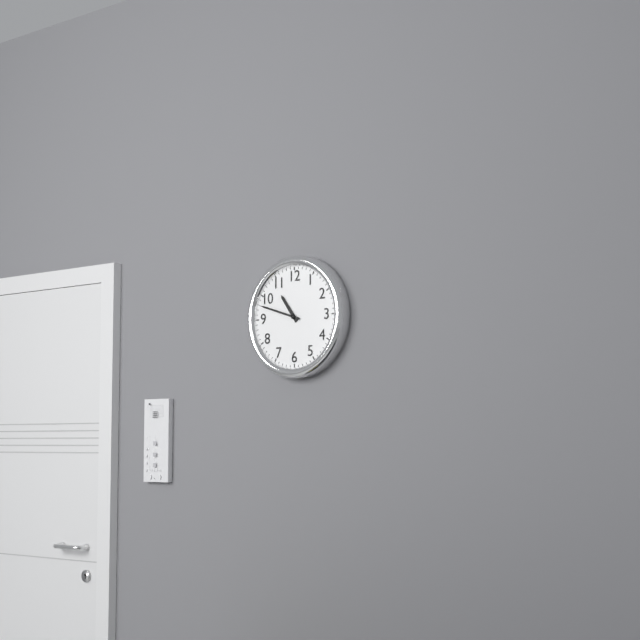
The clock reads 10.48
